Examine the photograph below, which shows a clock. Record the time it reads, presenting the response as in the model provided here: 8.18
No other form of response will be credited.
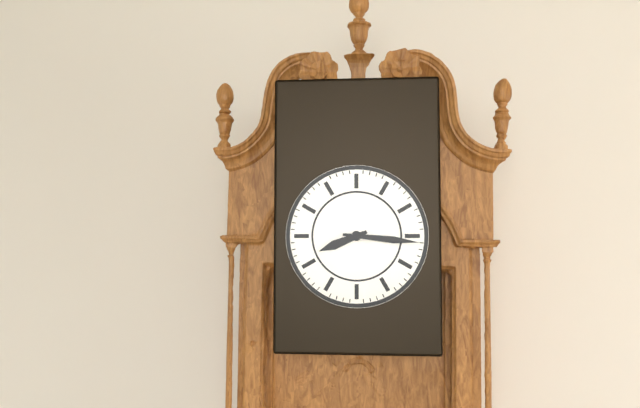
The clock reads 8.16
